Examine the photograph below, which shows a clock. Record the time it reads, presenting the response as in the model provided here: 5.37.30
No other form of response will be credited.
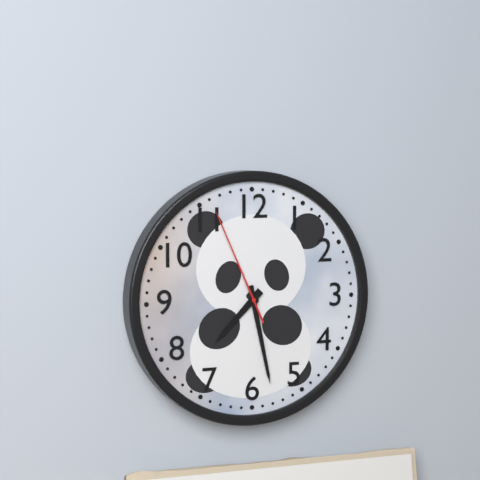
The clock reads 7.28.56
